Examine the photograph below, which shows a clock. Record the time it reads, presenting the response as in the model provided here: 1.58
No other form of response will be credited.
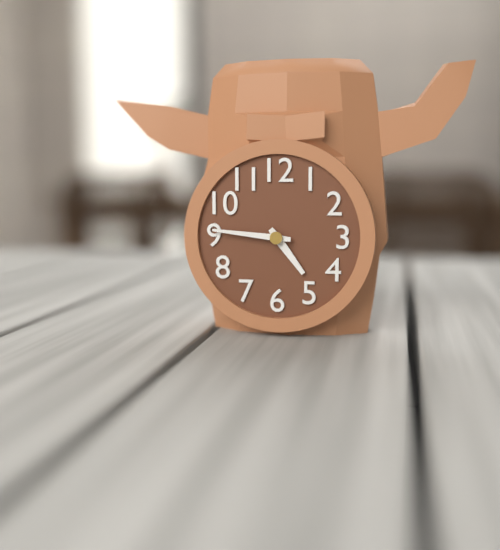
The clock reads 4.46
